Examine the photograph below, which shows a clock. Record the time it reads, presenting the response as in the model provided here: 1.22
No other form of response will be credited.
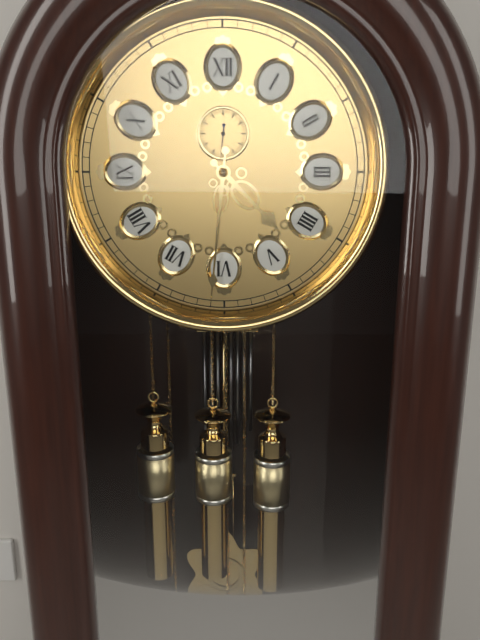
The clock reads 4.31
